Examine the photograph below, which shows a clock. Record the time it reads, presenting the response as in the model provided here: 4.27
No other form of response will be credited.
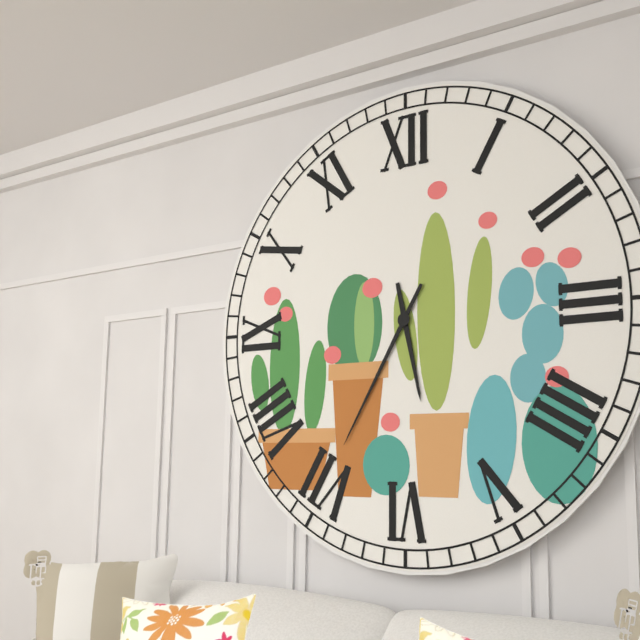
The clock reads 5.35
